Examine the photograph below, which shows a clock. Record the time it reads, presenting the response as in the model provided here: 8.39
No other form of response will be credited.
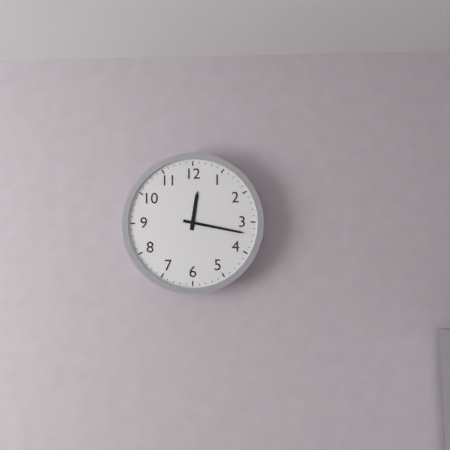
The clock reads 12.17
